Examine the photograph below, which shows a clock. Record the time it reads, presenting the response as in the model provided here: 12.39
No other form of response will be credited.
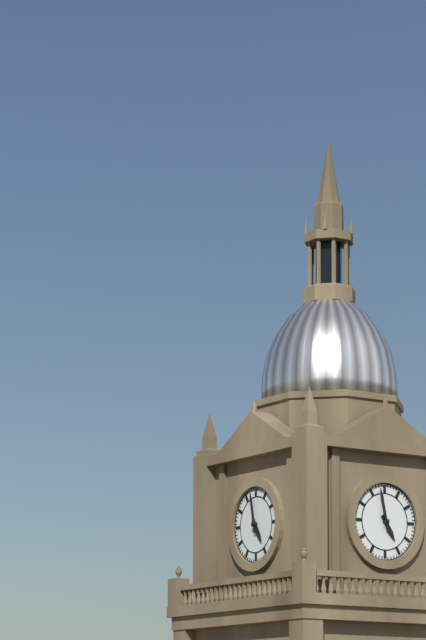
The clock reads 4.58
